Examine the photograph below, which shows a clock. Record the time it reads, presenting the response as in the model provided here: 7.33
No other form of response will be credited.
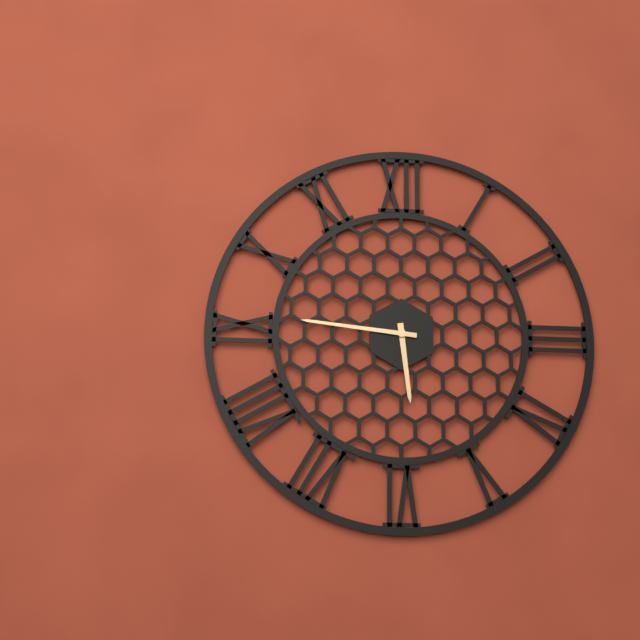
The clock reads 5.46
